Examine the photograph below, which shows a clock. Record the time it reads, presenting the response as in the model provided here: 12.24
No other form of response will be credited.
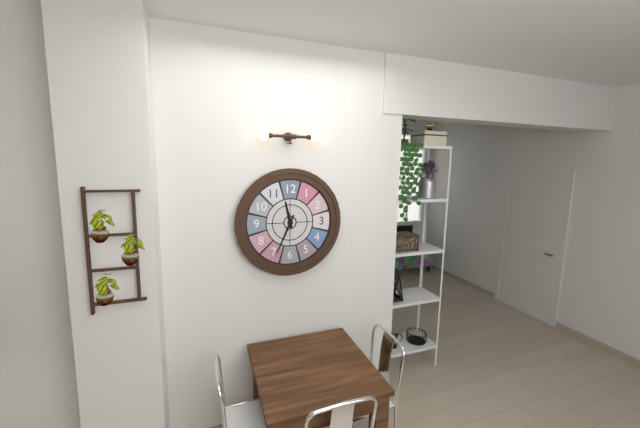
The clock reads 11.34
